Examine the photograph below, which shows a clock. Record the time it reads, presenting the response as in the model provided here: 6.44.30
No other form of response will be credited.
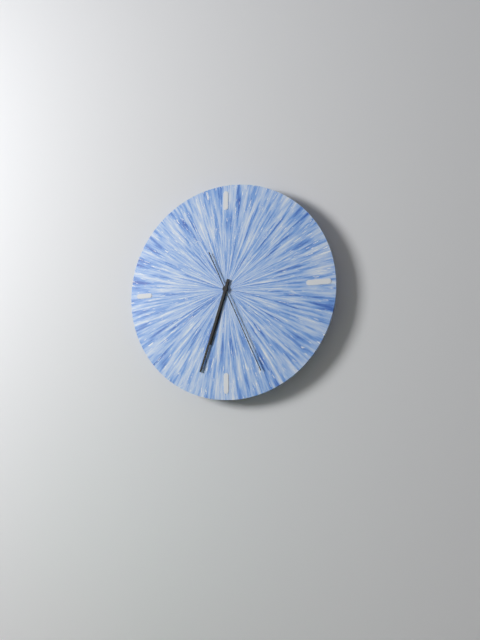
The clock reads 6.33.26
